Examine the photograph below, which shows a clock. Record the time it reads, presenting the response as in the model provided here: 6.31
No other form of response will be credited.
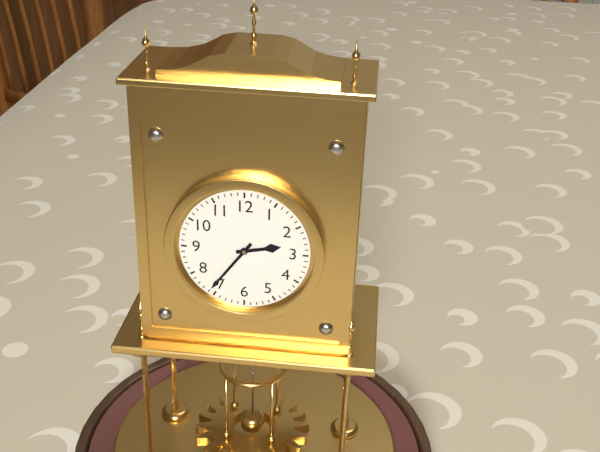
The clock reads 2.36
